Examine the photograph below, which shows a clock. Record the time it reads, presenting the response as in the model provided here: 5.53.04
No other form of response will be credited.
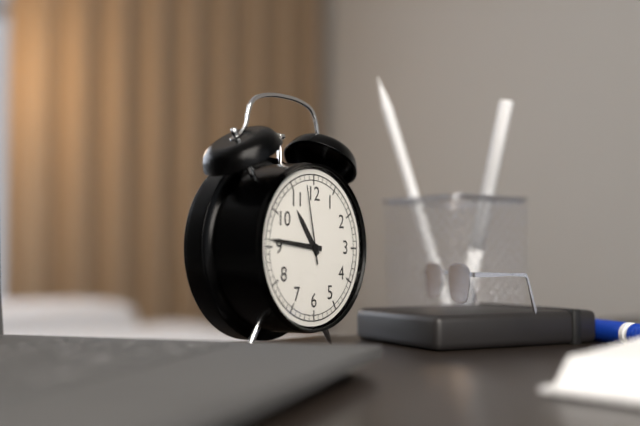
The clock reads 10.46.58
